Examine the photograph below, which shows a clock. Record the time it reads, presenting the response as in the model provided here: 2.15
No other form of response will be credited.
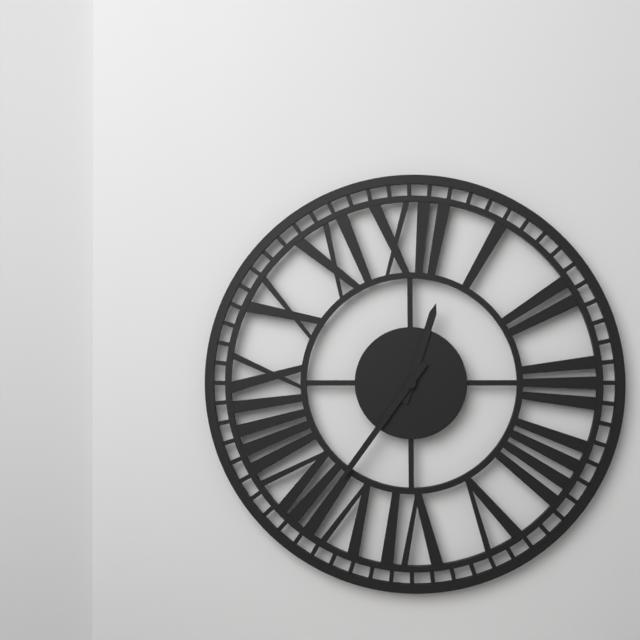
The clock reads 12.36
